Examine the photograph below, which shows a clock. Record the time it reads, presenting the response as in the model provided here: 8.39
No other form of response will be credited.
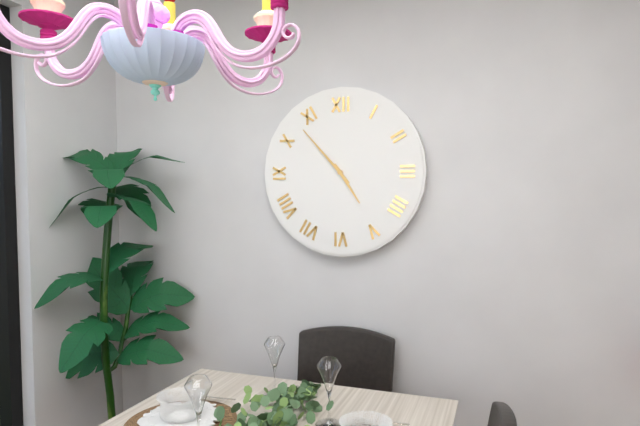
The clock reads 4.53
